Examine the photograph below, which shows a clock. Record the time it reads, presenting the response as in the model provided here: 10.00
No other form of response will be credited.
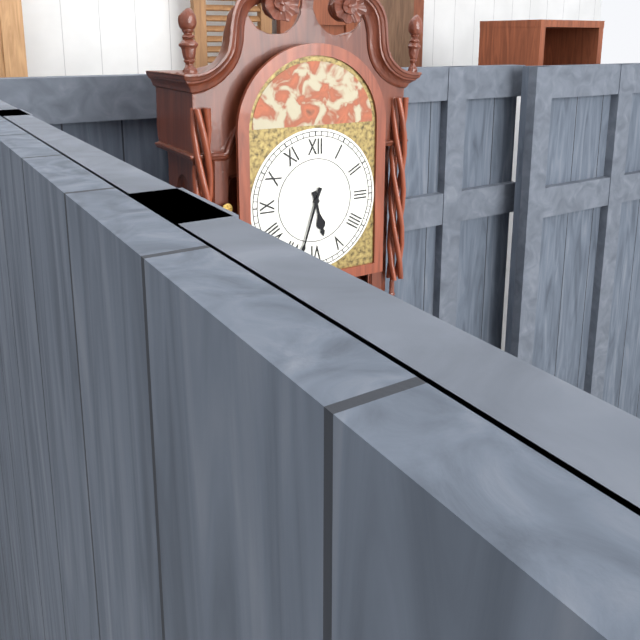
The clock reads 5.33
